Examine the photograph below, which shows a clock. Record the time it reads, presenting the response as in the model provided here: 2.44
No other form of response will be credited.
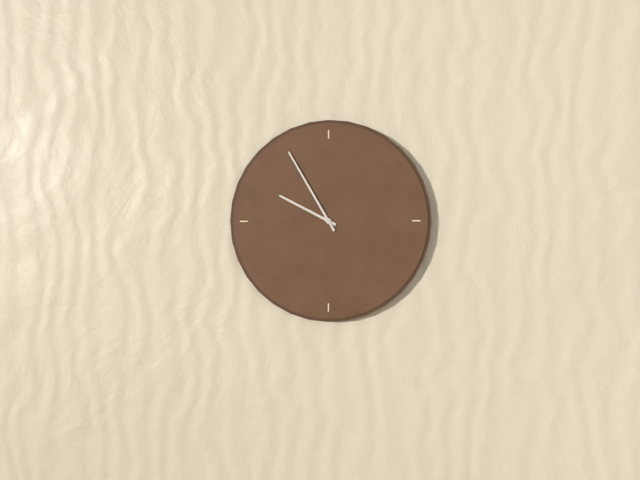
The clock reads 9.55
